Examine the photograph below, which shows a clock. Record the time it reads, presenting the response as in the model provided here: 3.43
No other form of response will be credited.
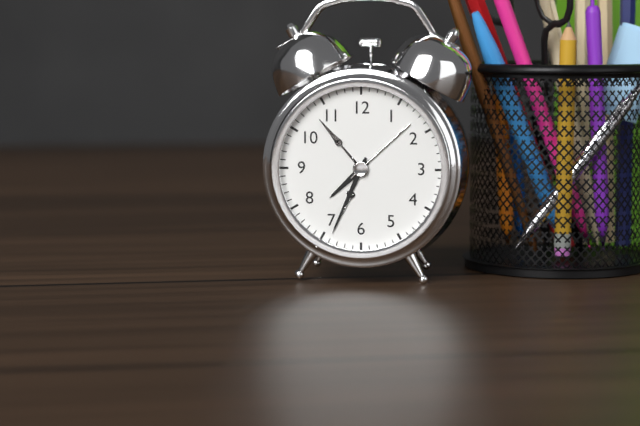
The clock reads 7.34
